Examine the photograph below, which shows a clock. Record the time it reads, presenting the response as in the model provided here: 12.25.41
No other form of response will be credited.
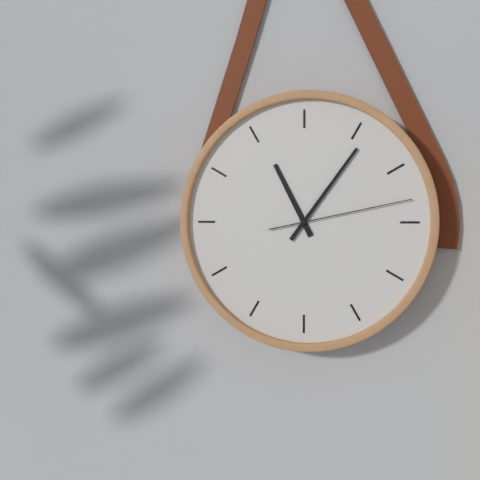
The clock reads 11.06.13
